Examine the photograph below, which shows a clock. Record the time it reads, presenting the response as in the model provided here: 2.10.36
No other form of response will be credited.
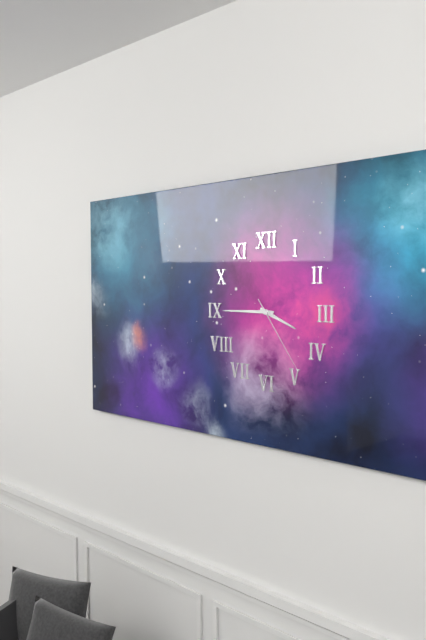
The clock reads 3.45.24
